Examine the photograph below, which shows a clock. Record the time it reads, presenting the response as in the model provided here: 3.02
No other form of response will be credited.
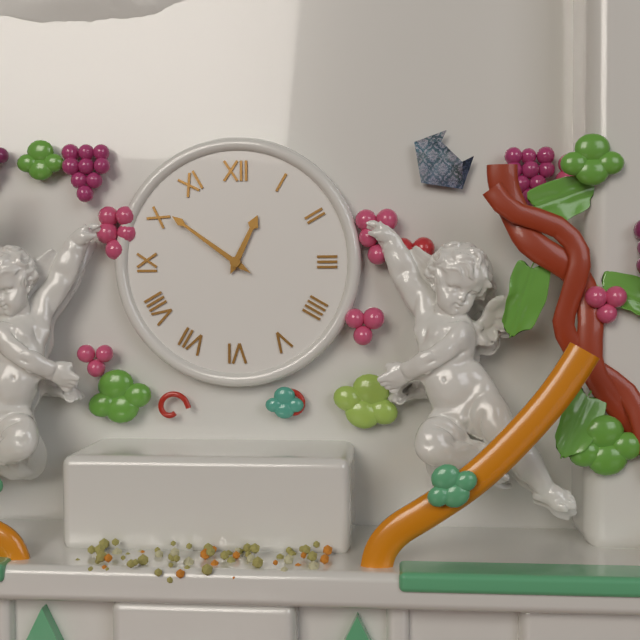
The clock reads 12.51
